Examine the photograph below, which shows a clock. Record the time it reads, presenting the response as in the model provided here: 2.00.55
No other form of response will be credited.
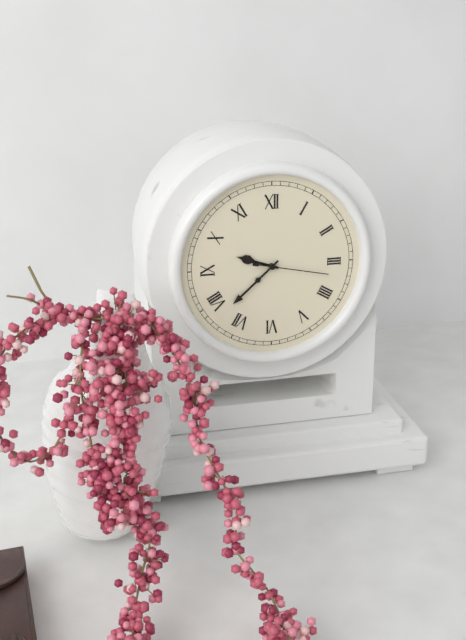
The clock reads 9.38.17
